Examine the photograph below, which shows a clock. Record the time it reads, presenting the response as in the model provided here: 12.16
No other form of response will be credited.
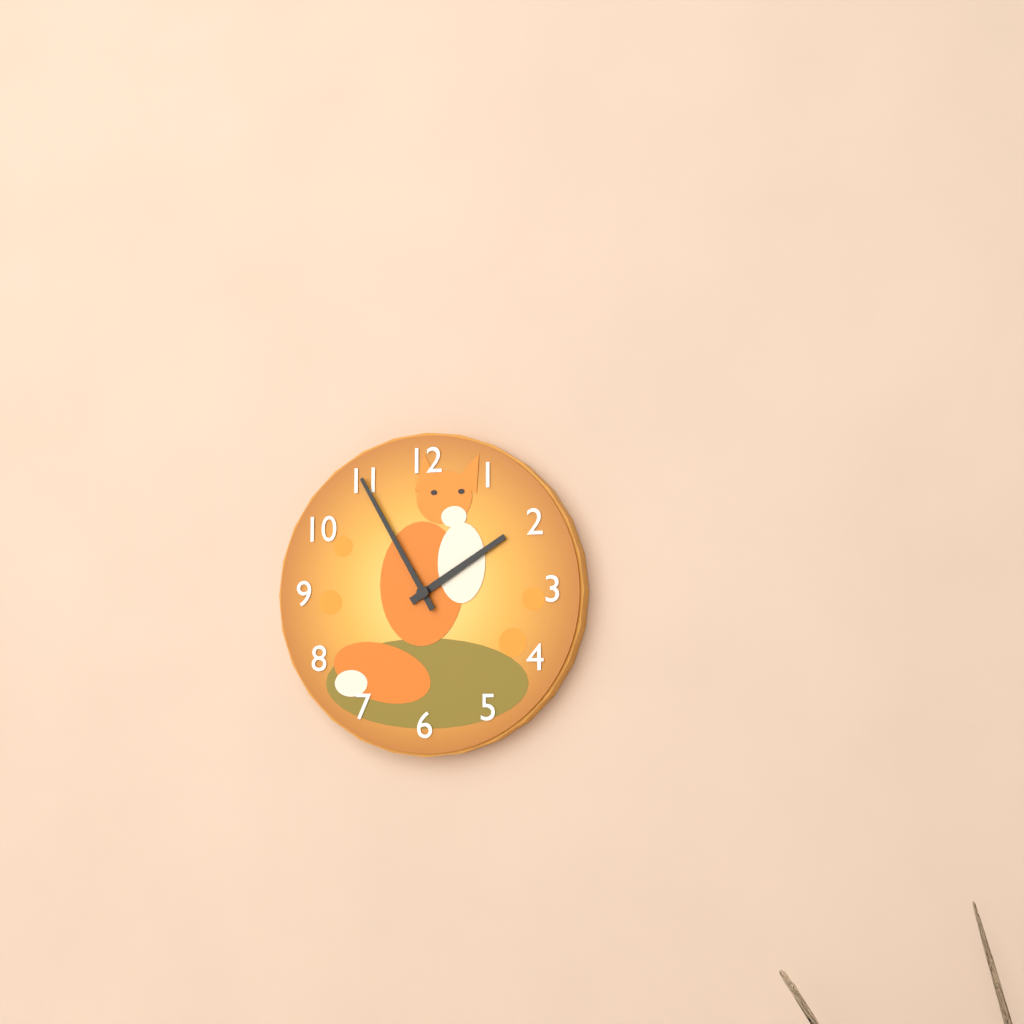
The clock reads 1.55
